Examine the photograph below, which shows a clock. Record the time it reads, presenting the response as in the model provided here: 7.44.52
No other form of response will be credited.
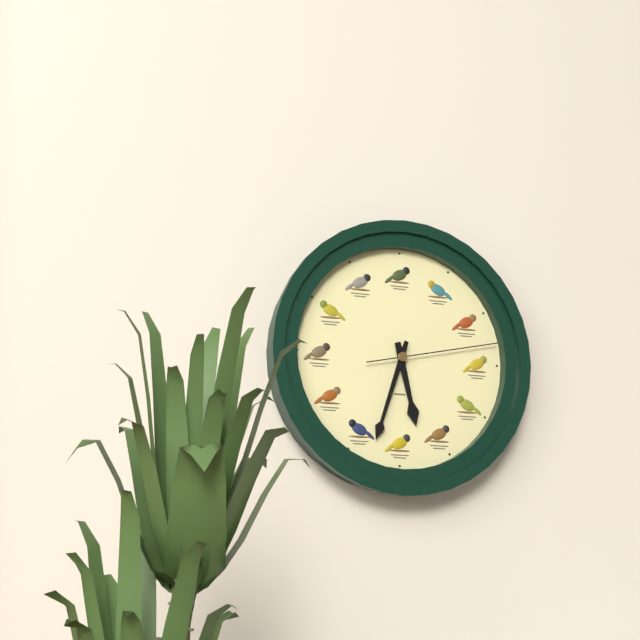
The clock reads 5.33.13
